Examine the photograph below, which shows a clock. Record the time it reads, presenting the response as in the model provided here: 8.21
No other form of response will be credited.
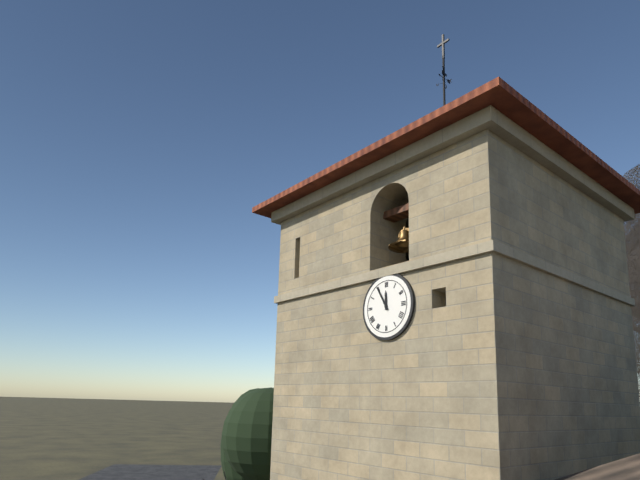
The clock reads 11.55
